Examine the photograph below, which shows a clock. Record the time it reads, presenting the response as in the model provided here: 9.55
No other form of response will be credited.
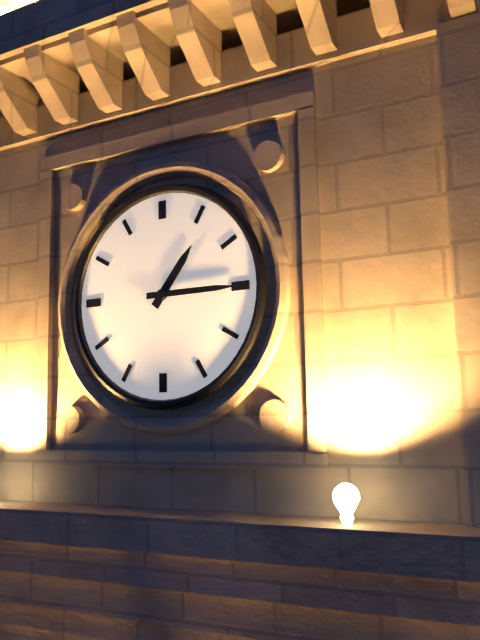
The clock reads 1.15
